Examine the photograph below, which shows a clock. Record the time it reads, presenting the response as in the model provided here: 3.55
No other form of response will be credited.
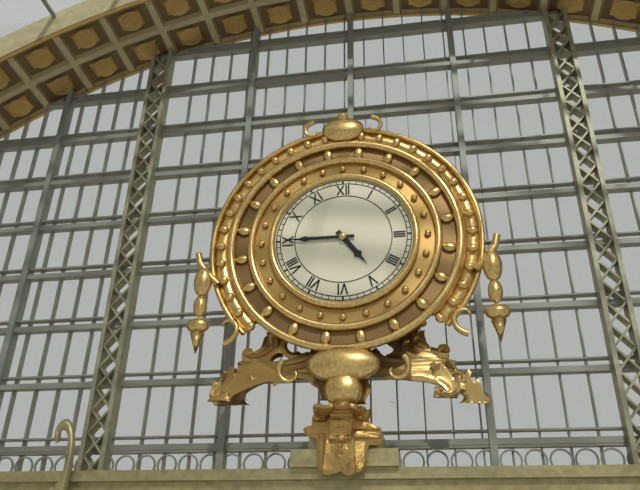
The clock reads 4.45
